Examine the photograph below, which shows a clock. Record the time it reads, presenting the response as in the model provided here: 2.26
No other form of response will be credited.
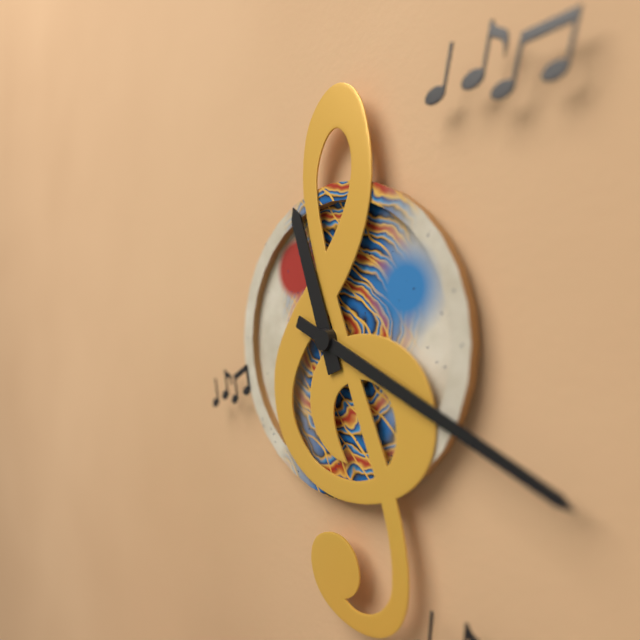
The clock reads 11.19
